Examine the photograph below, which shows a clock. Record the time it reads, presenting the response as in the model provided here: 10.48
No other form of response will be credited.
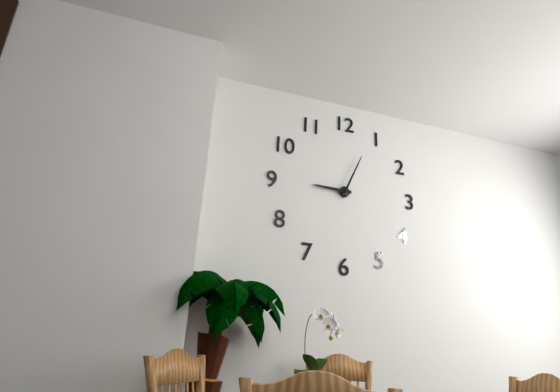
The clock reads 9.04
